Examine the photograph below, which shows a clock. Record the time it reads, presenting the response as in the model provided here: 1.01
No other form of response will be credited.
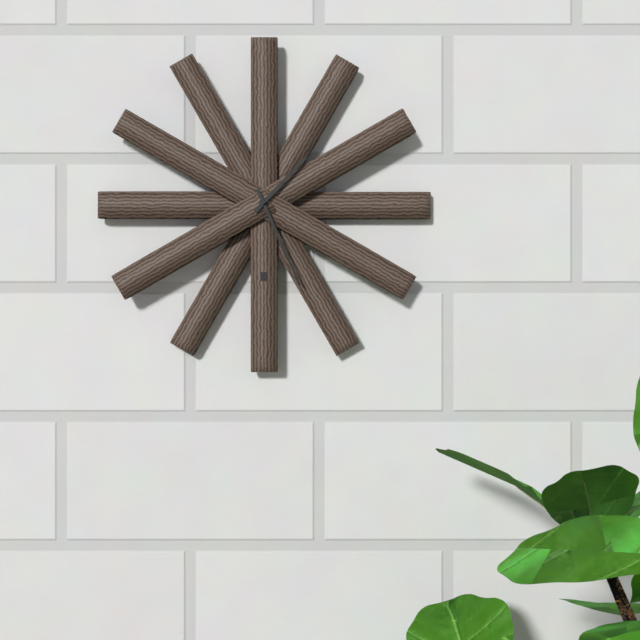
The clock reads 1.26
